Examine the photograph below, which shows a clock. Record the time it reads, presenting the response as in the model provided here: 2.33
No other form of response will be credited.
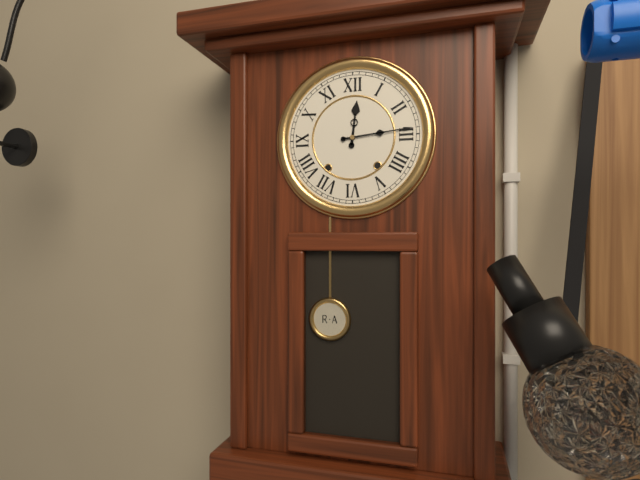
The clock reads 12.14
